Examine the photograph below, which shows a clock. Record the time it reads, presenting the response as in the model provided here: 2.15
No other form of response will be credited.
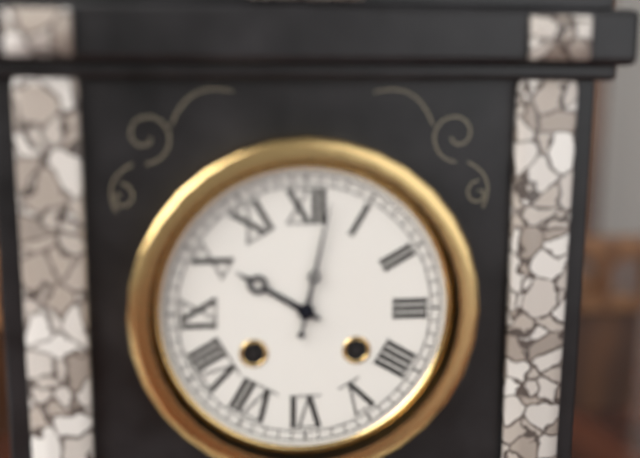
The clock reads 10.02
